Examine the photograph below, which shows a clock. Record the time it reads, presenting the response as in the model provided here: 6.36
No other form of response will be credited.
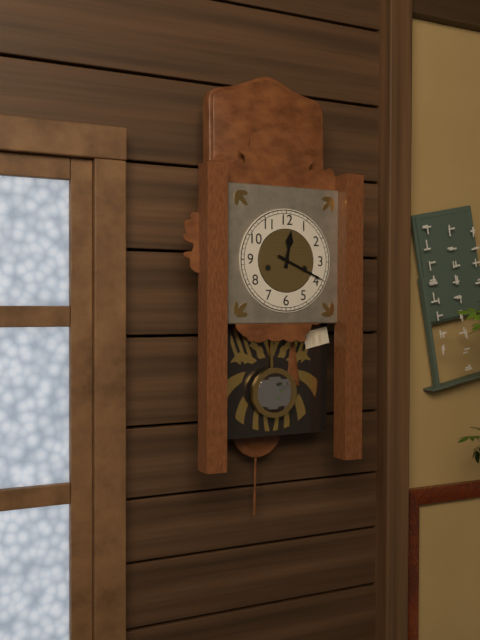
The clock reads 12.19
